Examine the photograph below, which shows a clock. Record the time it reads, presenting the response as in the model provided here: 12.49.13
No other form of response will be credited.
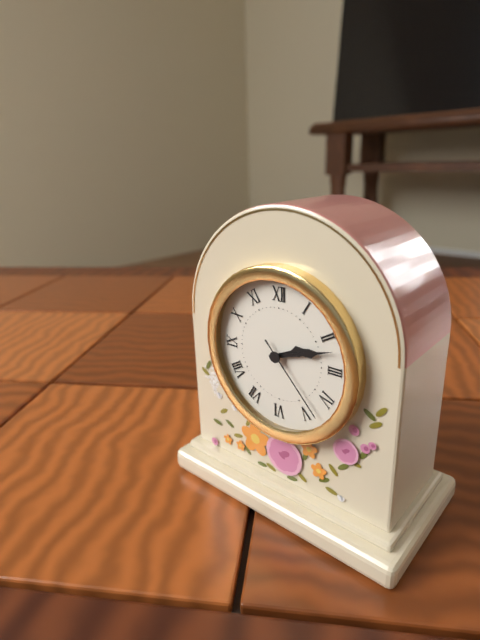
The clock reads 2.12.23
